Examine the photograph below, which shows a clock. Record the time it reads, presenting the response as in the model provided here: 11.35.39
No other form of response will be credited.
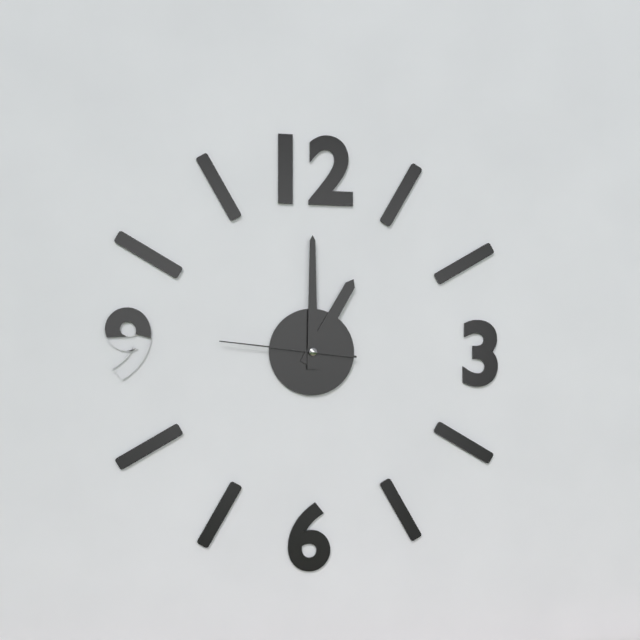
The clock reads 1.00.46
